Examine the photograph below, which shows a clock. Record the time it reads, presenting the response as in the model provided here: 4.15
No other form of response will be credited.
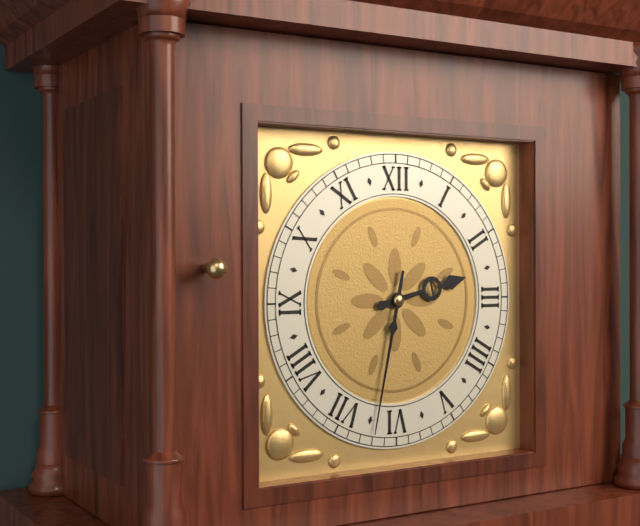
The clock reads 2.32
